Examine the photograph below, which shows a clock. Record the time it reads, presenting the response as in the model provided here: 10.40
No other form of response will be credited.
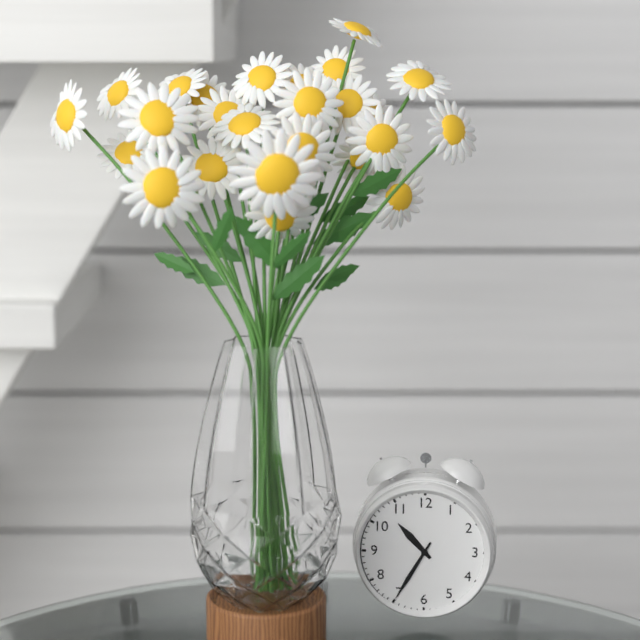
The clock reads 10.35
